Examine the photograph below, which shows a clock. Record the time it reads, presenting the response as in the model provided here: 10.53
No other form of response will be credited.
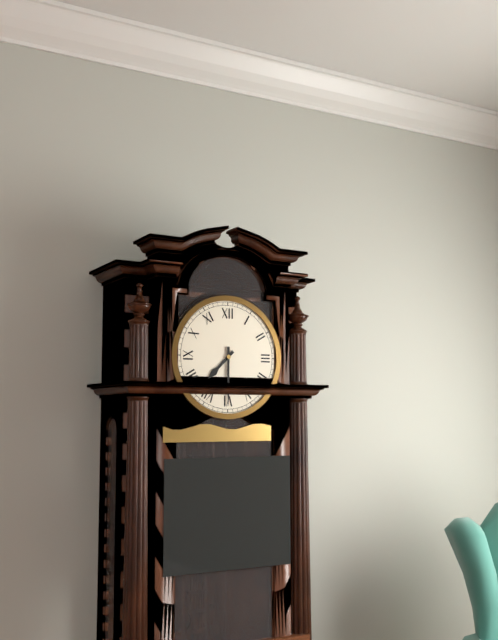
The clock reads 7.30
